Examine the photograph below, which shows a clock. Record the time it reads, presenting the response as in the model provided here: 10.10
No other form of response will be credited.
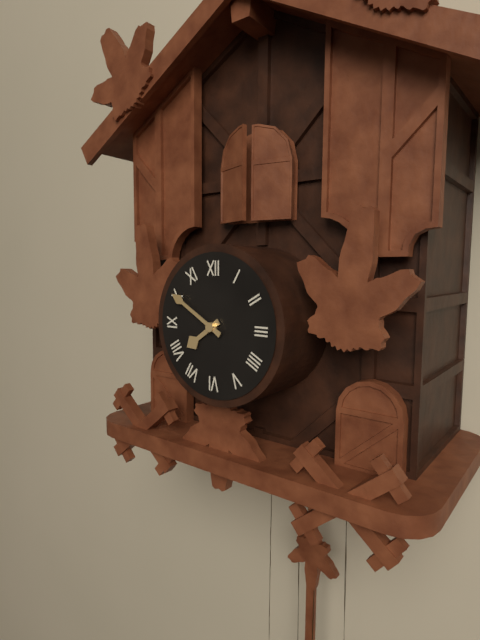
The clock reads 7.50
